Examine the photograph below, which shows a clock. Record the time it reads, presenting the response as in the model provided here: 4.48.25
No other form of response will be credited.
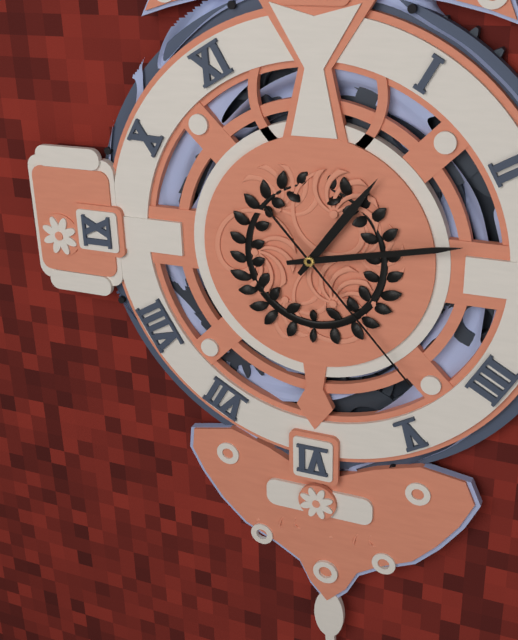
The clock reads 1.13.23
